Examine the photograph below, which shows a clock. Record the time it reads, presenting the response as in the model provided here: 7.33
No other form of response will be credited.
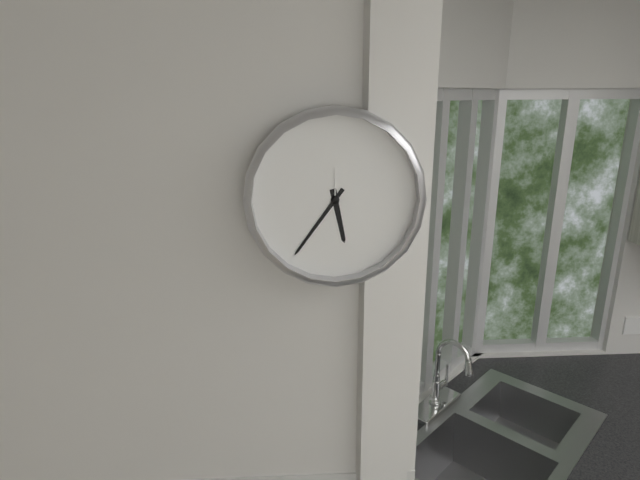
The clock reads 5.36
